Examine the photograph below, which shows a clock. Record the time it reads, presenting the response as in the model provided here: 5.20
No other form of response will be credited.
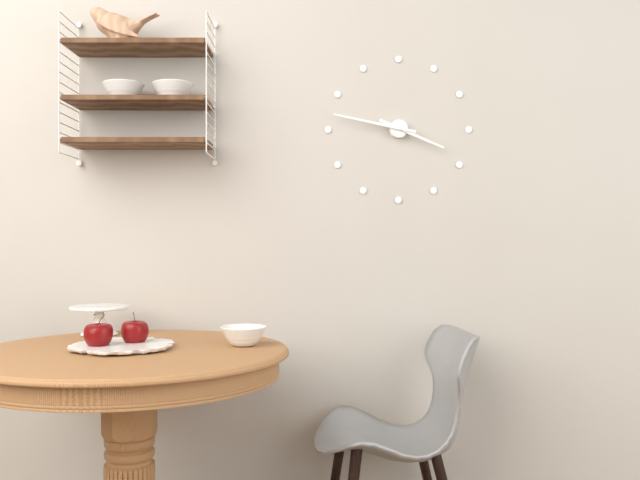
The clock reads 3.47
